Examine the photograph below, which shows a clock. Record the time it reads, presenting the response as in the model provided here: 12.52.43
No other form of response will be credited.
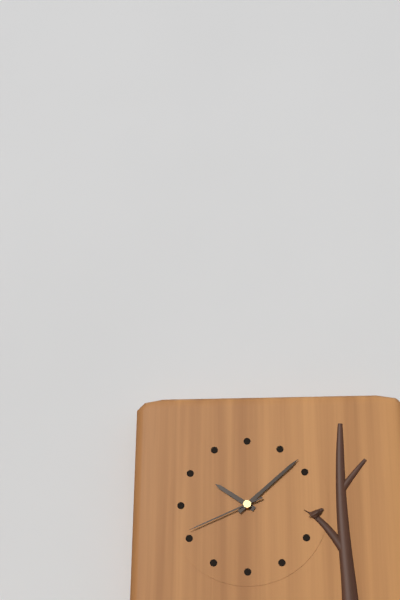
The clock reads 10.08.41
